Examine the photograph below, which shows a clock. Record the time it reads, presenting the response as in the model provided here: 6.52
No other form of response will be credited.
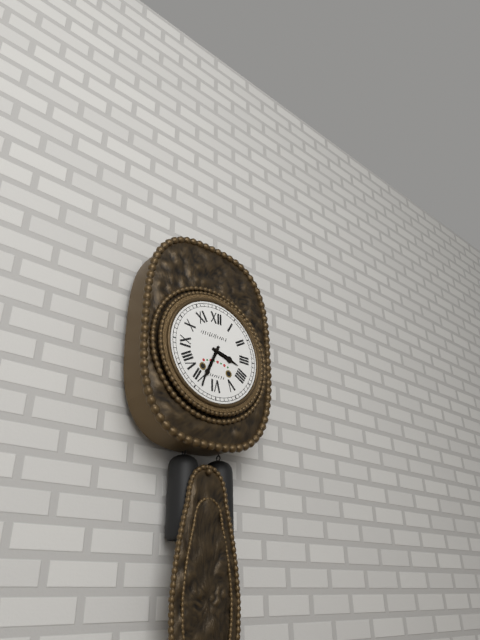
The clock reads 3.34
